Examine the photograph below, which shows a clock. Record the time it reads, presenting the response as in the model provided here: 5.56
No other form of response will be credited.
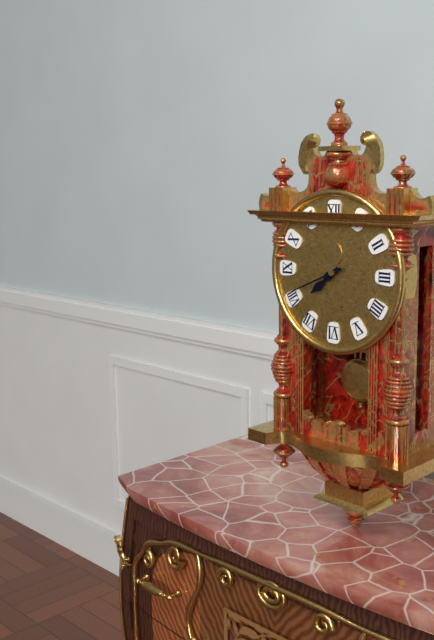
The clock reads 7.41
